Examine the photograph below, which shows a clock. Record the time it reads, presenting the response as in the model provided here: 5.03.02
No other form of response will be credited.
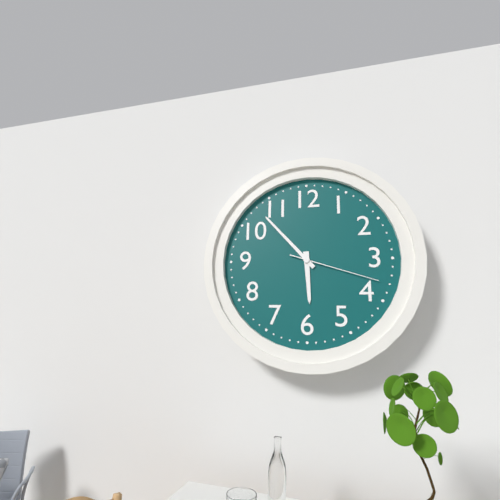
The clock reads 5.53.18
